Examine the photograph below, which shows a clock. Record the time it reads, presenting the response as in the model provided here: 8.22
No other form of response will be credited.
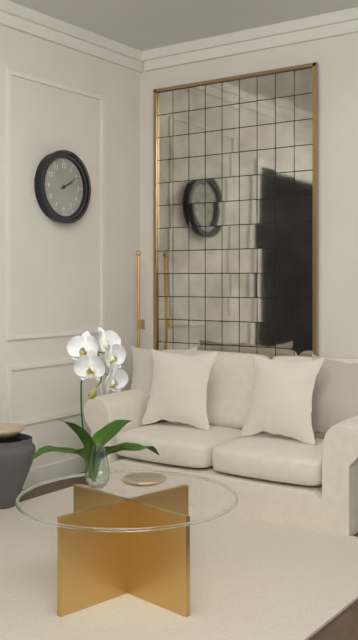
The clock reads 2.10
